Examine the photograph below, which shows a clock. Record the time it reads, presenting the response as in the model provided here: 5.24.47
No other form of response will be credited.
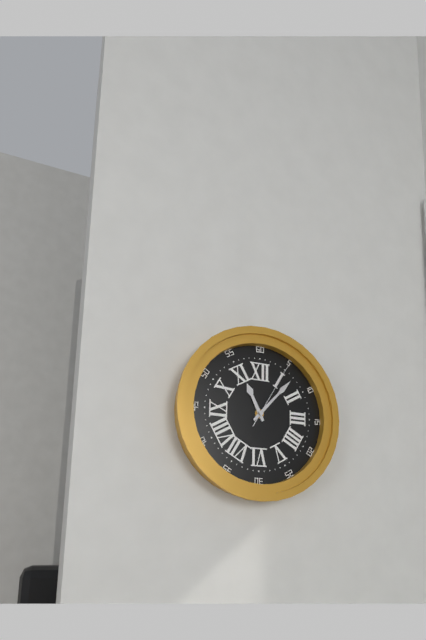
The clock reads 11.07.05
